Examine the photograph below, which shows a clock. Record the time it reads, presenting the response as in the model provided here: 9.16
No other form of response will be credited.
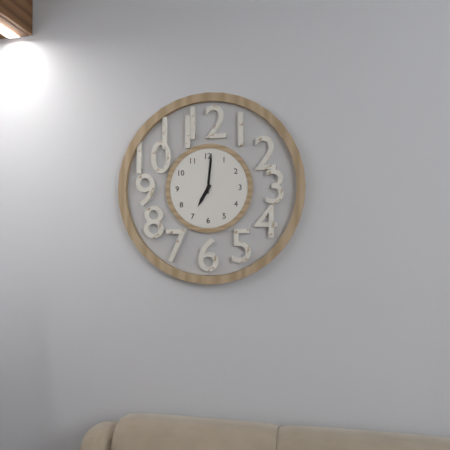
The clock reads 7.01
